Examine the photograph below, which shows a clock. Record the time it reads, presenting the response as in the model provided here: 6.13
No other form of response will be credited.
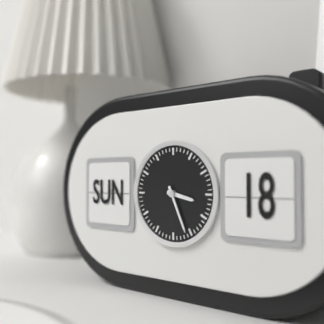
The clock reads 3.26
